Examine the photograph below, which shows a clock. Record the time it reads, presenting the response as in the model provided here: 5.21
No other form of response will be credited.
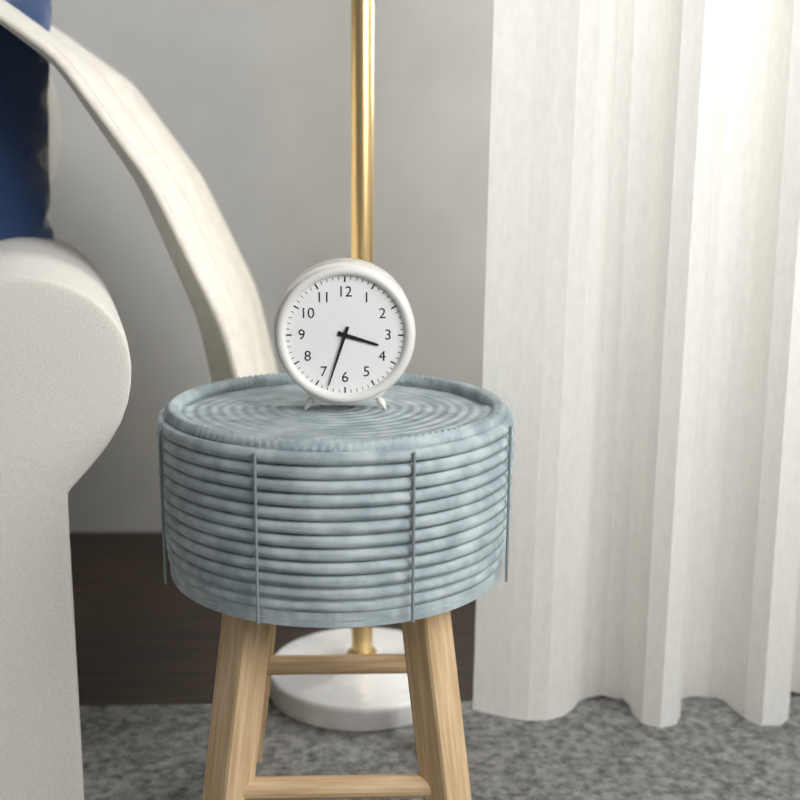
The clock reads 3.33
